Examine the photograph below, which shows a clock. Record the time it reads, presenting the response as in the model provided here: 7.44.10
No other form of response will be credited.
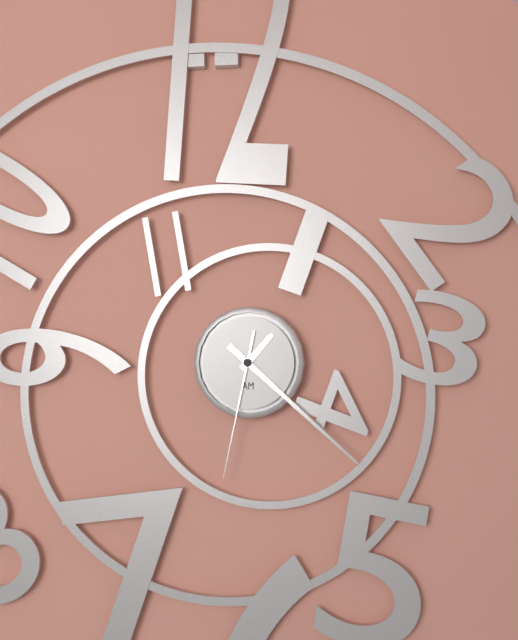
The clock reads 1.22.32
